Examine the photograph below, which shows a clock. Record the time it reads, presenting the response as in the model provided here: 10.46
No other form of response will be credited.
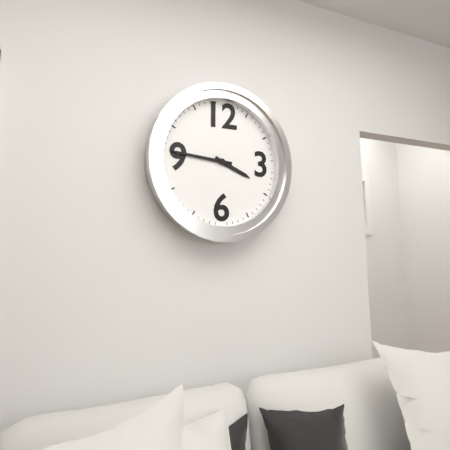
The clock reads 3.46
